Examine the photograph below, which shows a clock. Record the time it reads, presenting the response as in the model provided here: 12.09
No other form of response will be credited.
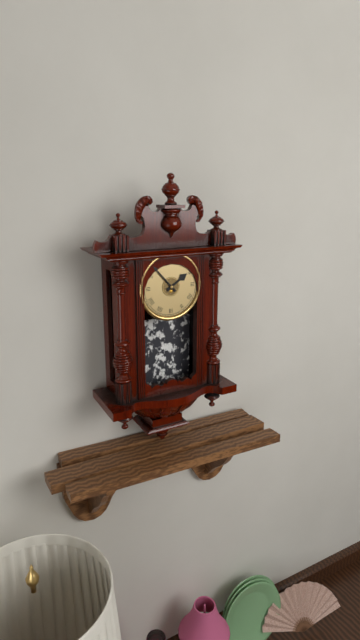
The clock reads 1.53
